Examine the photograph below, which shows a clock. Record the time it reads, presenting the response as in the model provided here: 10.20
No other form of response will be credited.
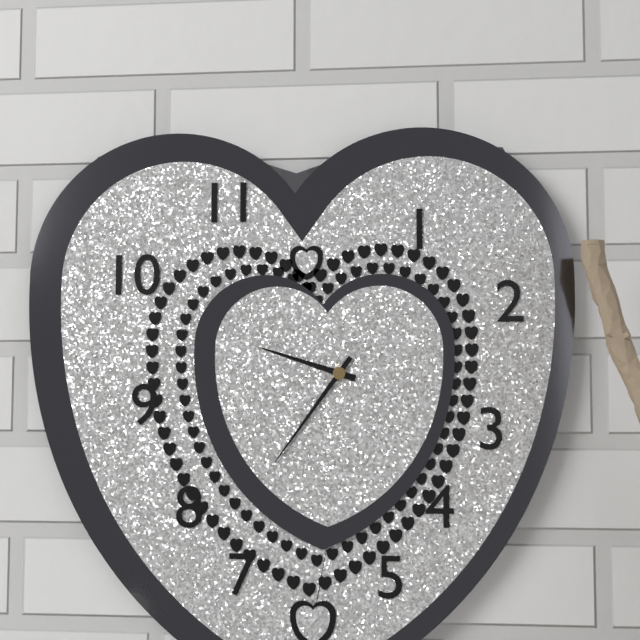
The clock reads 9.36
